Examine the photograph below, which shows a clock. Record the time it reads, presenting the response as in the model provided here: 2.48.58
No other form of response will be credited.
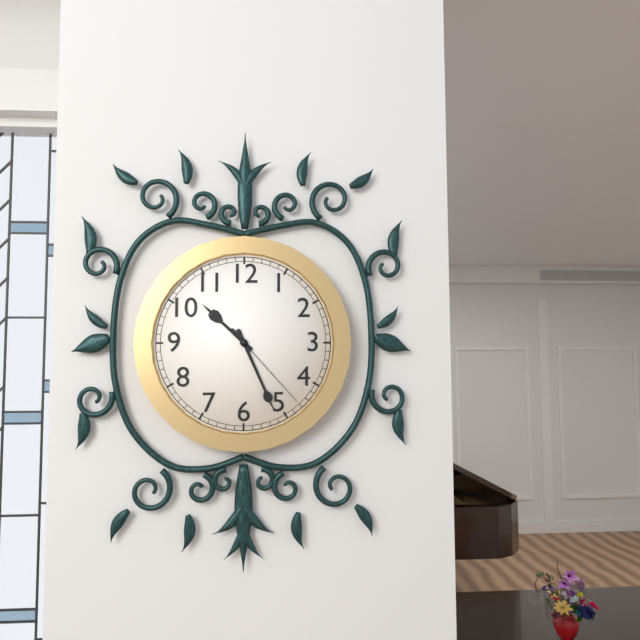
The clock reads 10.26.23
